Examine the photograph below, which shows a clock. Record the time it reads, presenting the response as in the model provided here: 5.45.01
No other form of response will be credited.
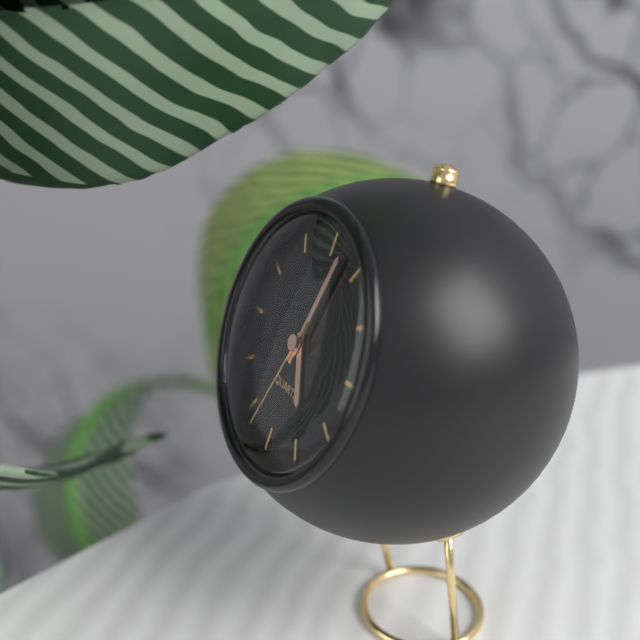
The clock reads 5.02.33
